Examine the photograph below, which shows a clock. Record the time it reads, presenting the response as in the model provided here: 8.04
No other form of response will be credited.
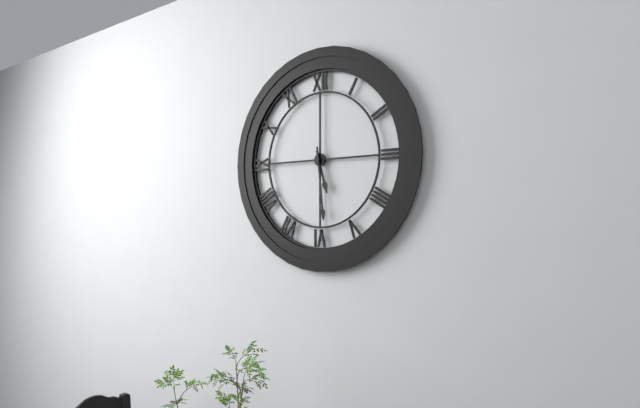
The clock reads 5.29
